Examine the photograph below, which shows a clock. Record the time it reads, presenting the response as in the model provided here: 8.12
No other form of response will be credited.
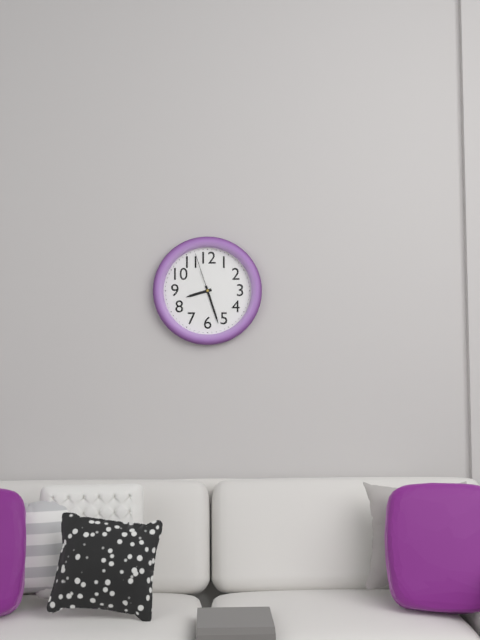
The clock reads 8.27
